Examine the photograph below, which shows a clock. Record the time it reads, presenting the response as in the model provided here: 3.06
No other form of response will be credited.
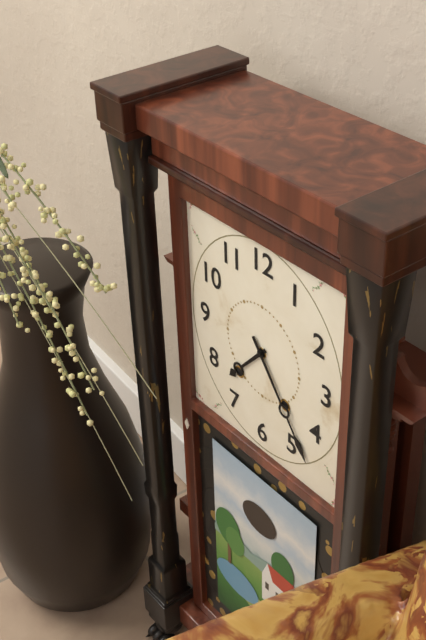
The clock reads 7.24
